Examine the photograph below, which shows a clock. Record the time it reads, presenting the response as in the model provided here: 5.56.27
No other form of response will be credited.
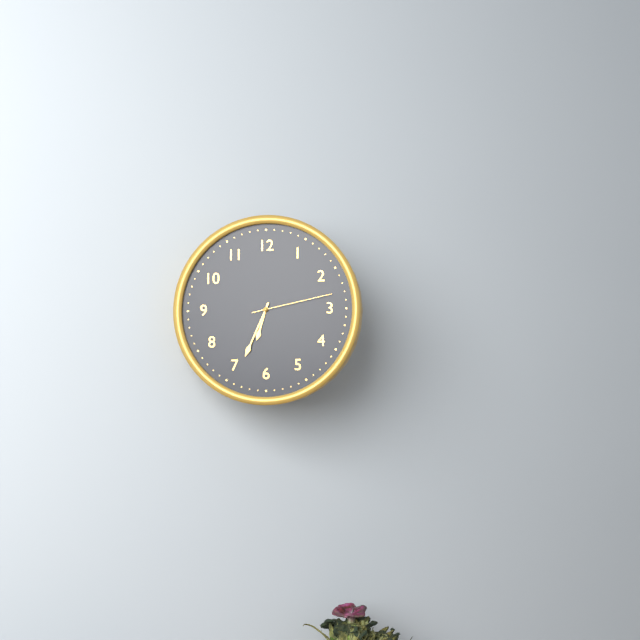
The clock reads 6.34.13
